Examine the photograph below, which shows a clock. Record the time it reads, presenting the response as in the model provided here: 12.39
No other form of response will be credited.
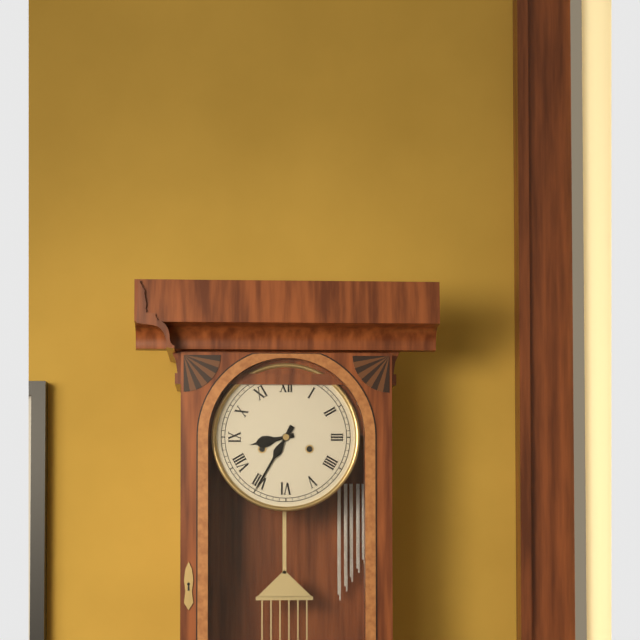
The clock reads 8.35
